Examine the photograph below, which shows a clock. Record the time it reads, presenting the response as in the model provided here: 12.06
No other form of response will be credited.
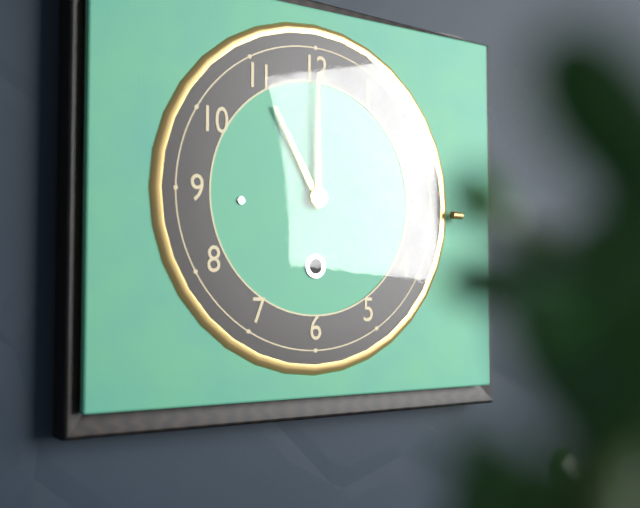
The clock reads 11.00
